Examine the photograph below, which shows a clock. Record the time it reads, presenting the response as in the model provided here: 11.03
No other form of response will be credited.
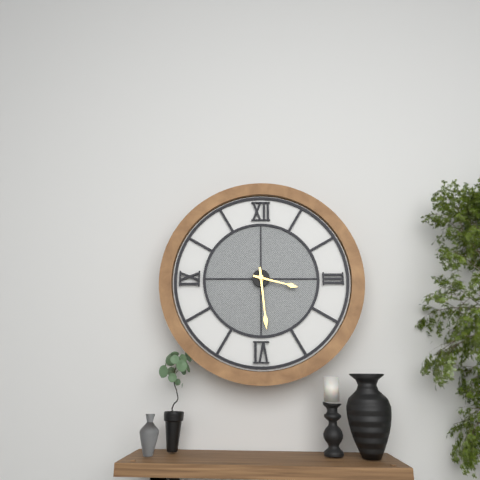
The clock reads 3.29
